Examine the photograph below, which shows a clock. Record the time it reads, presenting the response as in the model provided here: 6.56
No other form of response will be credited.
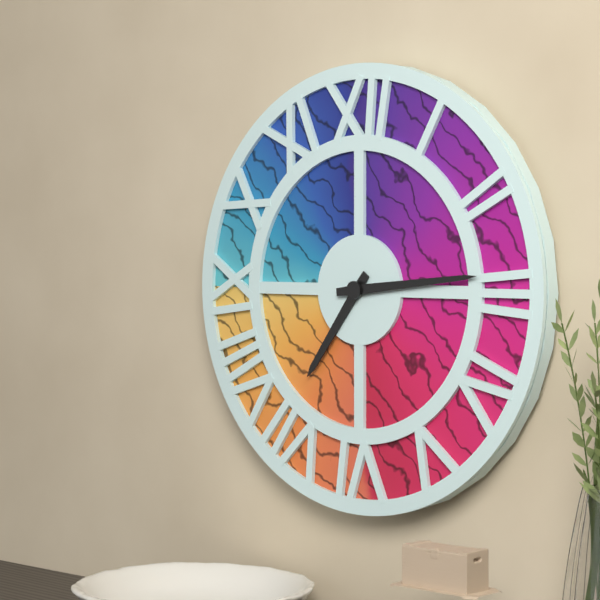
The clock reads 7.14
